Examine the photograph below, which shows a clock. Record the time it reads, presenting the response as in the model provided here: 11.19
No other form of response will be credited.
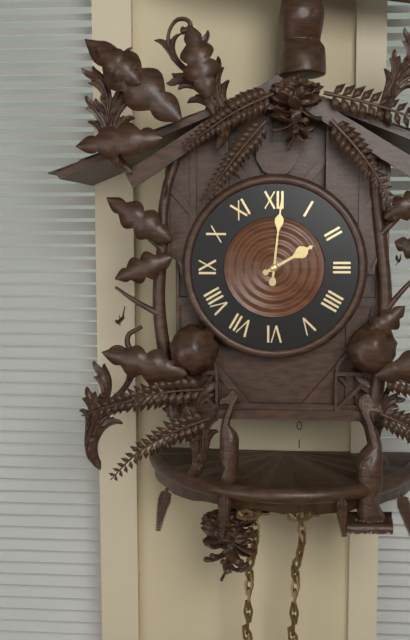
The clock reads 2.01
